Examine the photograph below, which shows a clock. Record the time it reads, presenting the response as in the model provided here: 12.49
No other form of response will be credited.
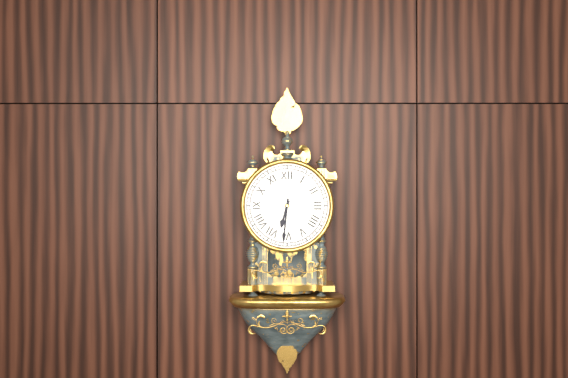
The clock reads 6.31
